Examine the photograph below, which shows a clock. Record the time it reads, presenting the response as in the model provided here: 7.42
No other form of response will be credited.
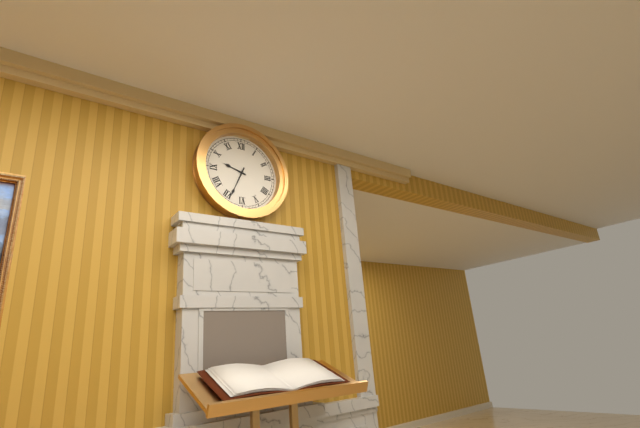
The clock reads 9.34
